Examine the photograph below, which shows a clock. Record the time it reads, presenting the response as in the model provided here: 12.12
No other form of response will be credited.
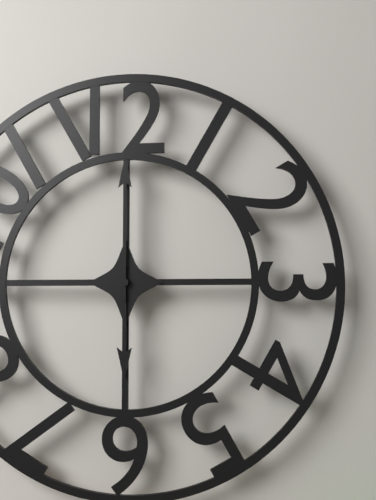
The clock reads 6.00
